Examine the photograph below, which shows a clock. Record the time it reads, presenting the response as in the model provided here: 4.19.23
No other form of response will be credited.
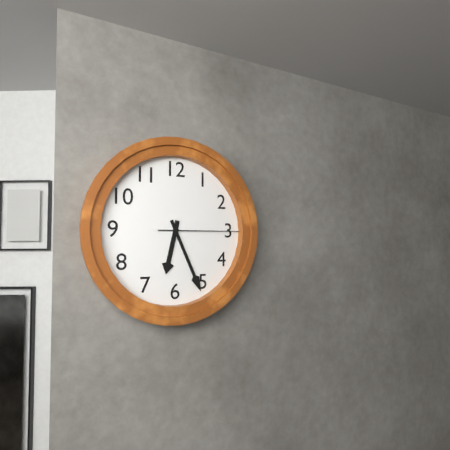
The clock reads 6.26.15
